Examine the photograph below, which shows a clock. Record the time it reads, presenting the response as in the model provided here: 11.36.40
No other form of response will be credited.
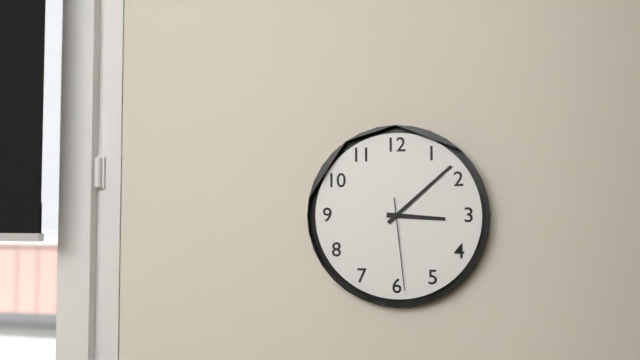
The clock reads 3.08.29
